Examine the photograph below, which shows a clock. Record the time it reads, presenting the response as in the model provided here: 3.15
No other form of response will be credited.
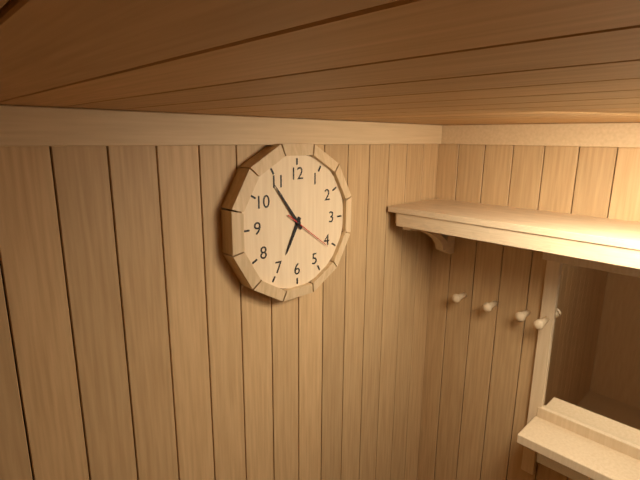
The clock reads 6.54
